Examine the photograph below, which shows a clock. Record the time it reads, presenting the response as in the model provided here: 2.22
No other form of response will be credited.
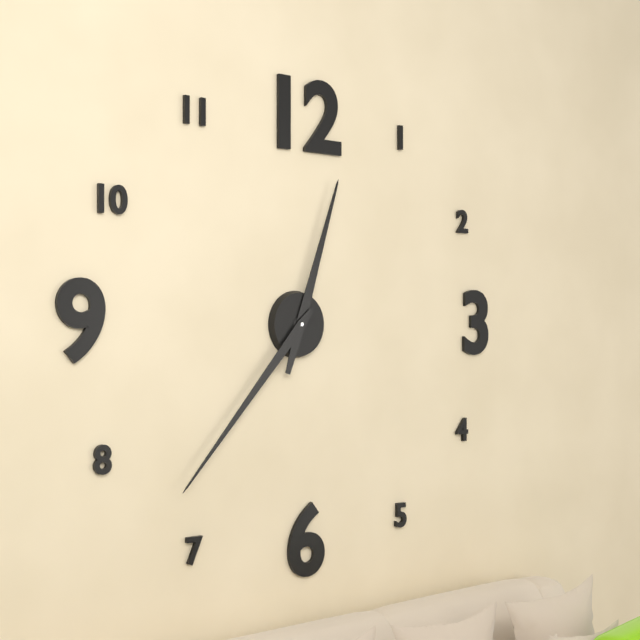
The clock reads 12.37
